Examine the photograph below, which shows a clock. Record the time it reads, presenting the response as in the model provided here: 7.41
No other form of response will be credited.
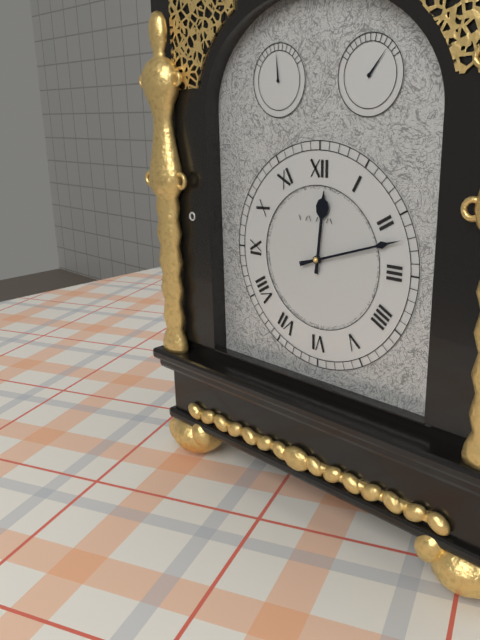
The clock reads 12.12
